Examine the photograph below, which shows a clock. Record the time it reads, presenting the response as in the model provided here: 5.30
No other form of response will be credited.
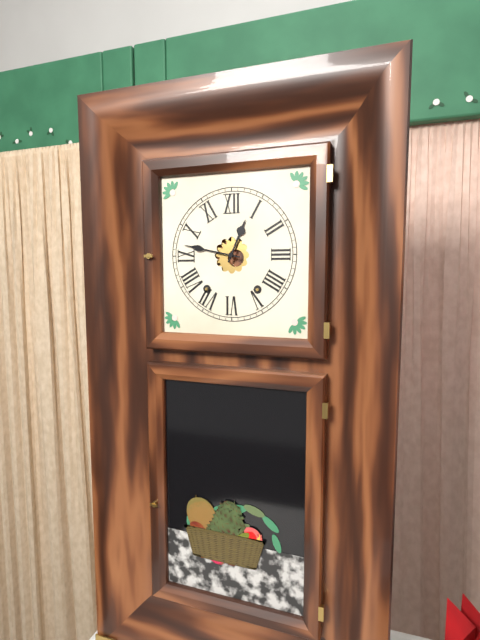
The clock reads 12.47
